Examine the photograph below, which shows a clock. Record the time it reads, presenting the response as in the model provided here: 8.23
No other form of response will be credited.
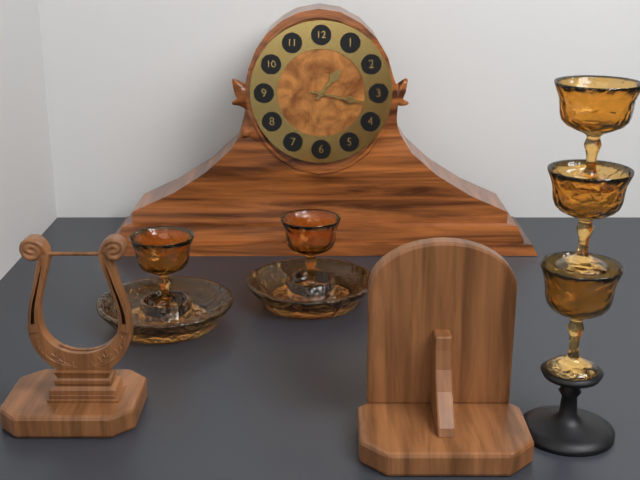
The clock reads 1.17
